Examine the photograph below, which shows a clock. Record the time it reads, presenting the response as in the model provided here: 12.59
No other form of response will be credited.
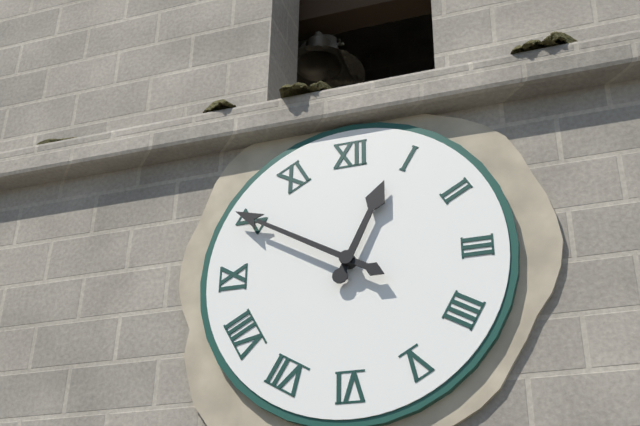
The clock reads 12.50
